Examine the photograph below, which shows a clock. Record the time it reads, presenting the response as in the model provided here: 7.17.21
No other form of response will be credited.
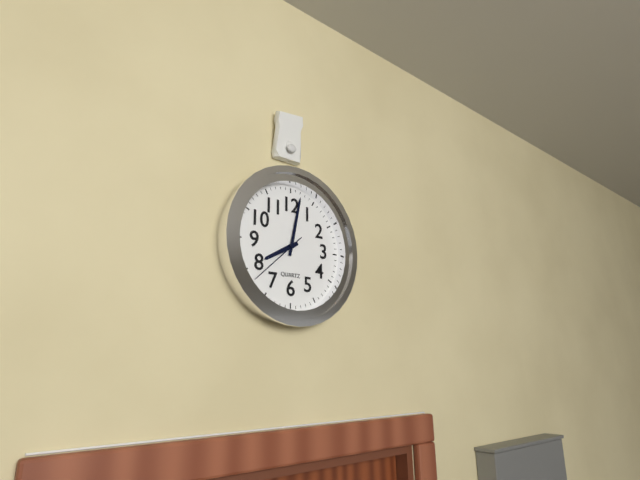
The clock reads 8.02.38
